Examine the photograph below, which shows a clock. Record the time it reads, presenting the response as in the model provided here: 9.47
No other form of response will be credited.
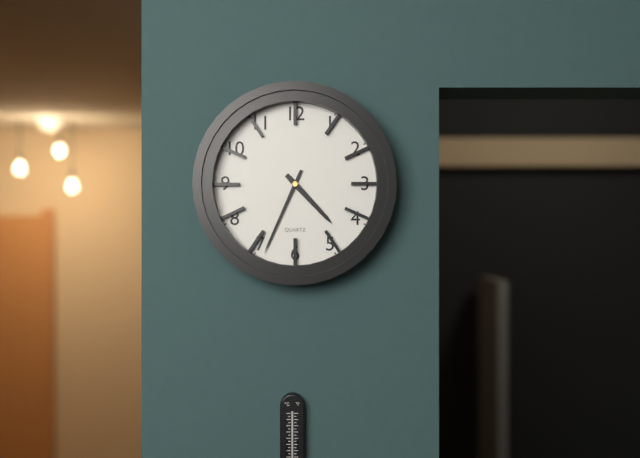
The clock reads 4.34
